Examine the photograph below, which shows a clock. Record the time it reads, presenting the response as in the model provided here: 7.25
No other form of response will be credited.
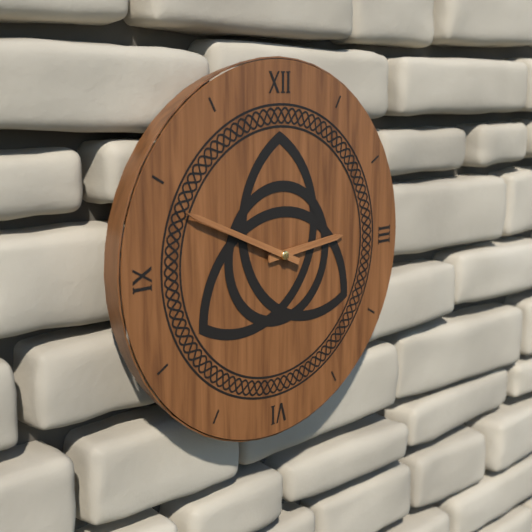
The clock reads 2.49
